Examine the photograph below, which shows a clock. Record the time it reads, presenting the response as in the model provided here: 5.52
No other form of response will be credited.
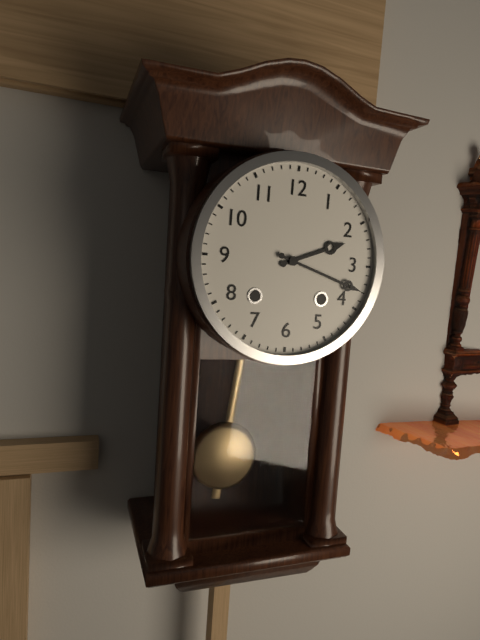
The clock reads 2.18
